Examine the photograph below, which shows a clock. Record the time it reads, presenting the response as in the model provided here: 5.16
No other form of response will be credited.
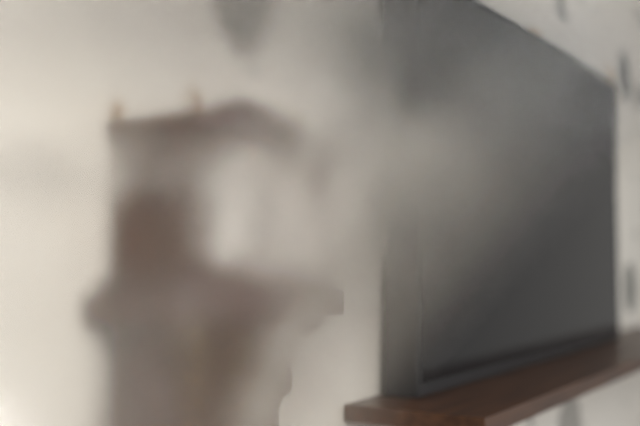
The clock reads 4.07
